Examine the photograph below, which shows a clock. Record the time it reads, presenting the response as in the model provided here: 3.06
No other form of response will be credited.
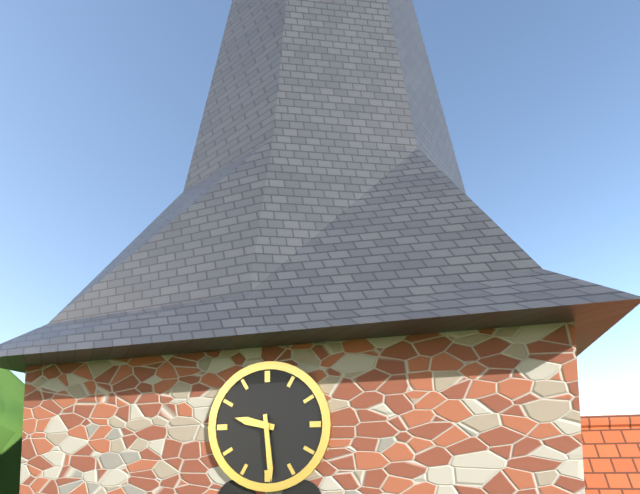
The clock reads 9.29
